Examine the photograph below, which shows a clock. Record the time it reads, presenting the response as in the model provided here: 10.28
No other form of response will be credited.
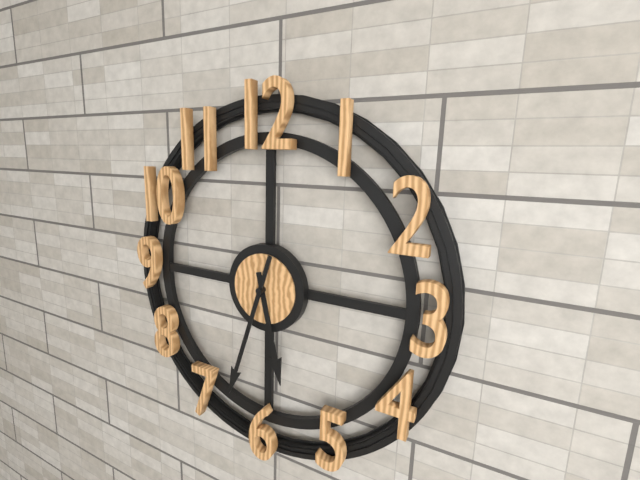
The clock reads 5.33
